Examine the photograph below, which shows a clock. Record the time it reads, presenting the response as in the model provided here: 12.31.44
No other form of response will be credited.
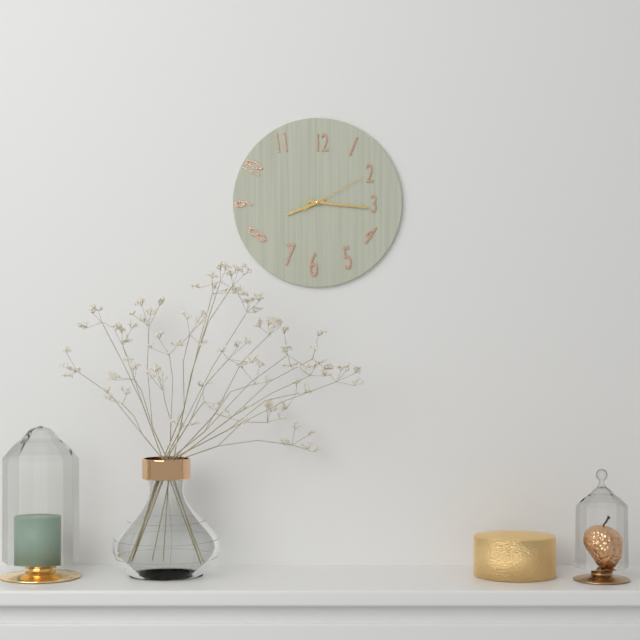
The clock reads 8.16.10
